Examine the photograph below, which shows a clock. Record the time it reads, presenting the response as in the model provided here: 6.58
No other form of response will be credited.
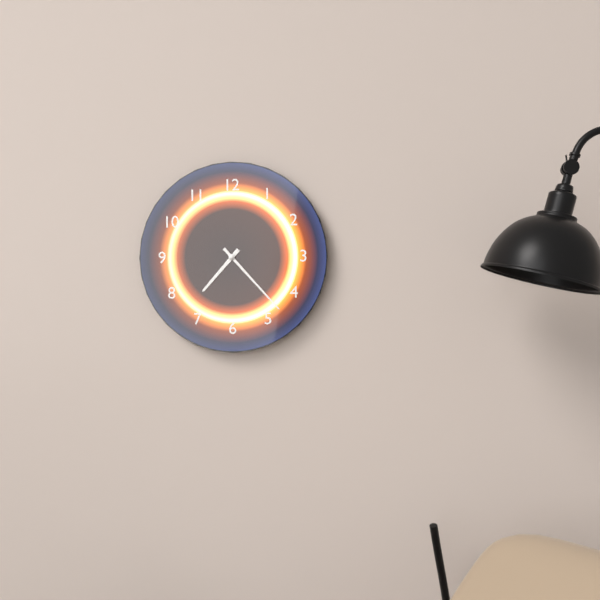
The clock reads 7.23
